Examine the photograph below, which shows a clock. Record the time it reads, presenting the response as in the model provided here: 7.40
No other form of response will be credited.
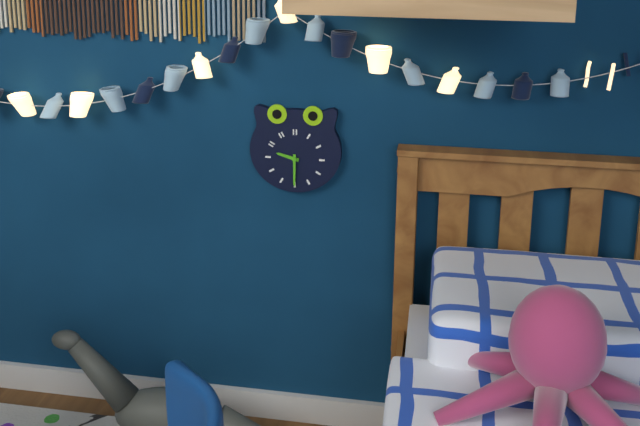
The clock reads 9.30
